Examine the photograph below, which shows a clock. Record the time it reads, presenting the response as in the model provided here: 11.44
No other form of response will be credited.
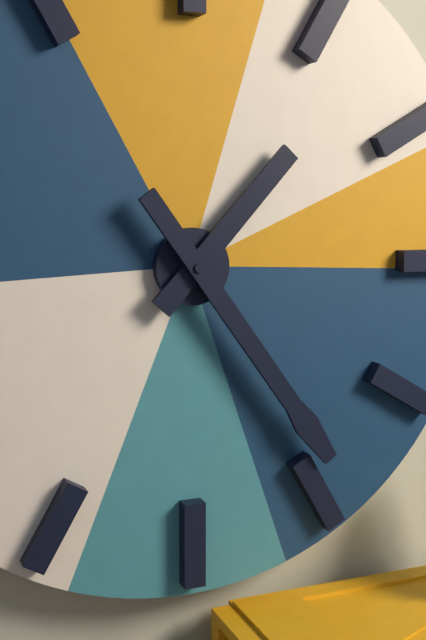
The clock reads 1.24
